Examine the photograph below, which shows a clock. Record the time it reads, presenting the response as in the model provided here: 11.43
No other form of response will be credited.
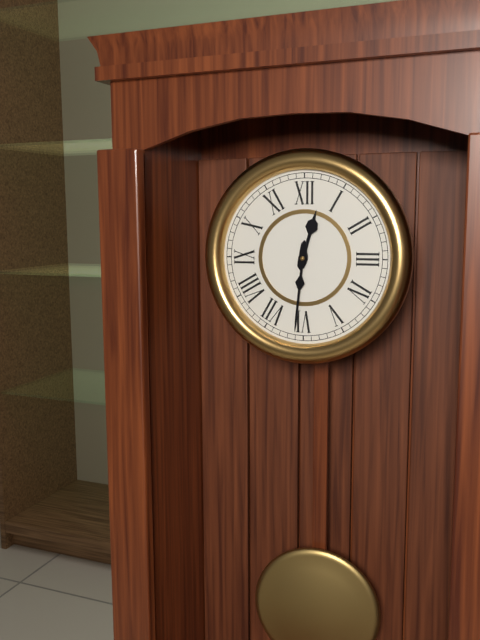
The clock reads 12.31
